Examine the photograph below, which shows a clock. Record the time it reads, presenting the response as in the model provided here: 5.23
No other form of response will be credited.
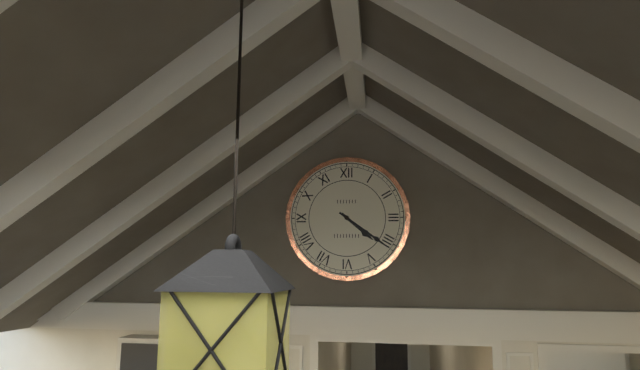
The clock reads 4.21
